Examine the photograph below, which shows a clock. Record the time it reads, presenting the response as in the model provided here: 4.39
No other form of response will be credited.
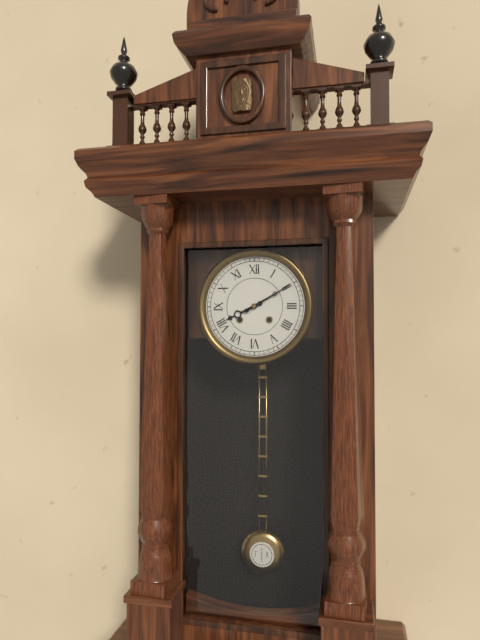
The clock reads 8.10
